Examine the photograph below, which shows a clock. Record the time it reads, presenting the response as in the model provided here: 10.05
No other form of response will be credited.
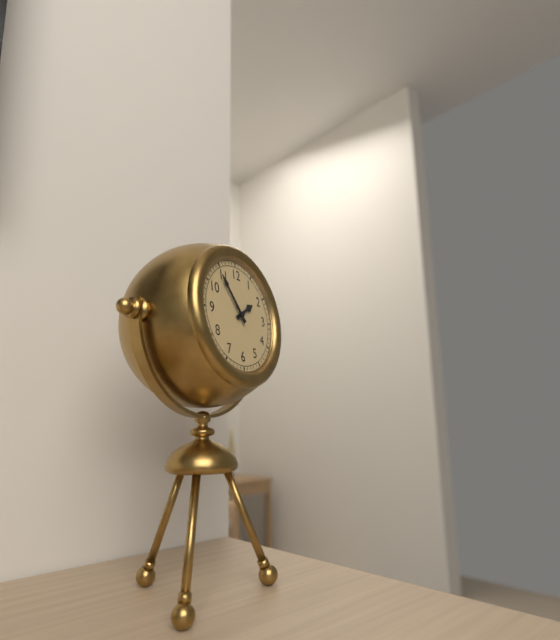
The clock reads 1.54
